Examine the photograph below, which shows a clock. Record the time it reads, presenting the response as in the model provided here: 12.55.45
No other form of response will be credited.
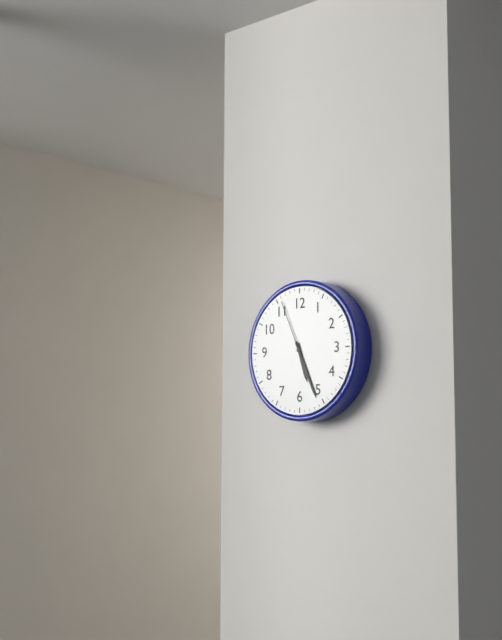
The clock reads 5.26.56
